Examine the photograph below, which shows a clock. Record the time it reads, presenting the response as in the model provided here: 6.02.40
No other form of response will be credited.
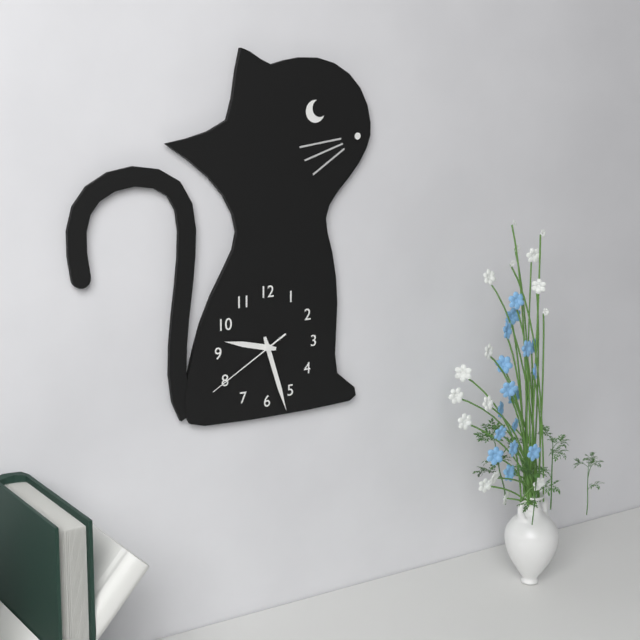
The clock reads 9.27.40
